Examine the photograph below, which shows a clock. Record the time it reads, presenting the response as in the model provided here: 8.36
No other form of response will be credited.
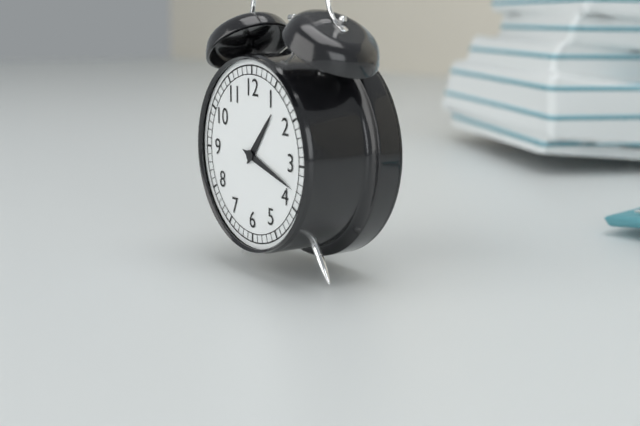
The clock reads 1.18
